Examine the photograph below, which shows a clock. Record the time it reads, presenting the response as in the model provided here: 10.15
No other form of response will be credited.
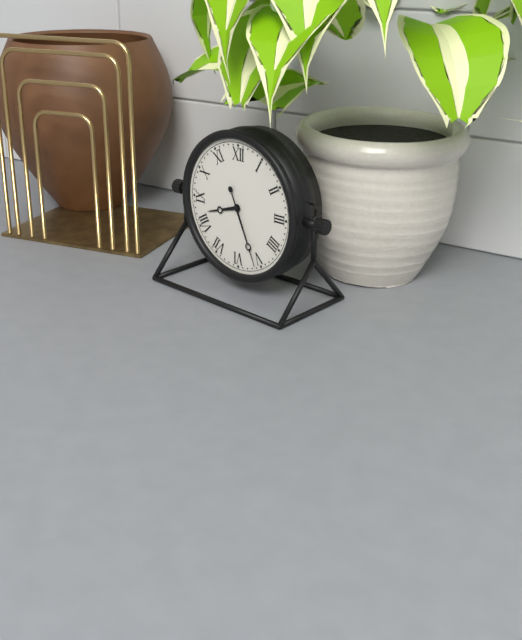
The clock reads 8.26
